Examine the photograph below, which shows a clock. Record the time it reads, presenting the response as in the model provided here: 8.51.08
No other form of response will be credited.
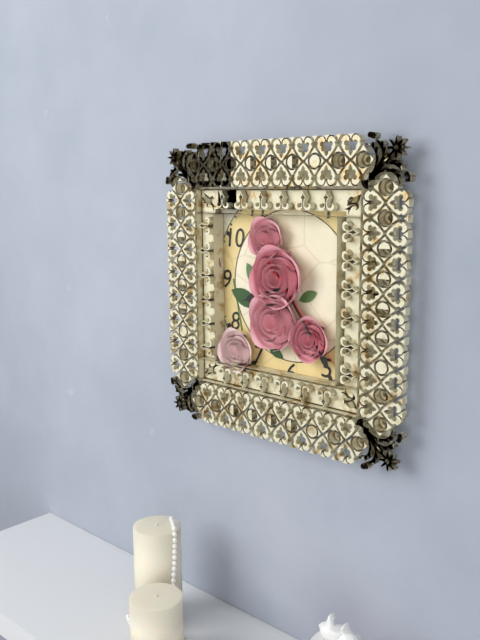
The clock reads 8.24.23
